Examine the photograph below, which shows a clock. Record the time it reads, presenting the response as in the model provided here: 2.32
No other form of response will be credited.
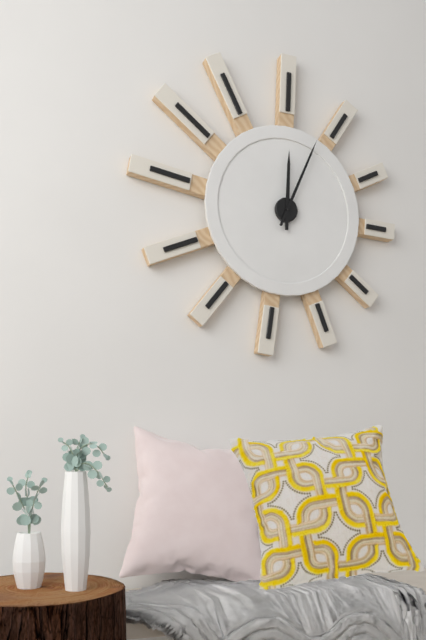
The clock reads 12.04
